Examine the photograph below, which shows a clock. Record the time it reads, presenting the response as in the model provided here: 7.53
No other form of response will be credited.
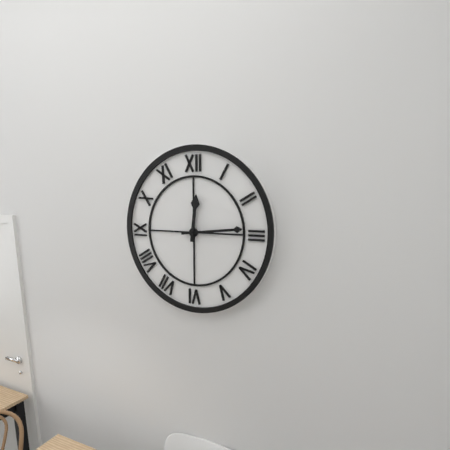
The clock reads 12.14
